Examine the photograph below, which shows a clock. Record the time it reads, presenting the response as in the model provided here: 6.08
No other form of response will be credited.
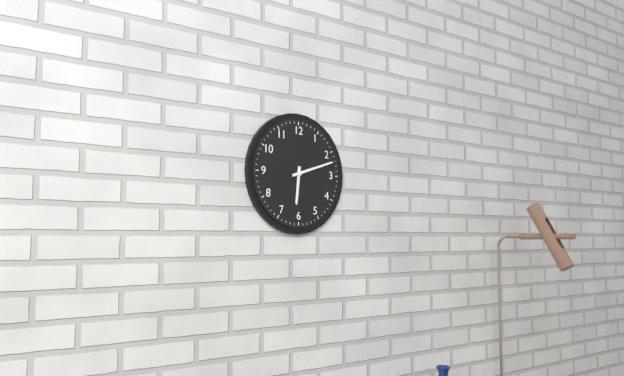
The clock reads 6.12
